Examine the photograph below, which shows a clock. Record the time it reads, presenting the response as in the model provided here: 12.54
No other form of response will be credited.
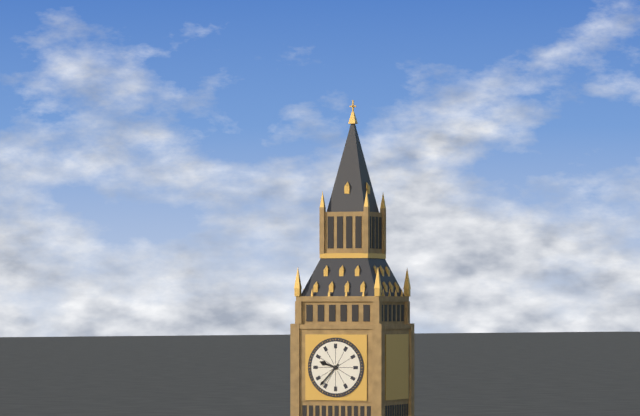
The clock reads 9.37
